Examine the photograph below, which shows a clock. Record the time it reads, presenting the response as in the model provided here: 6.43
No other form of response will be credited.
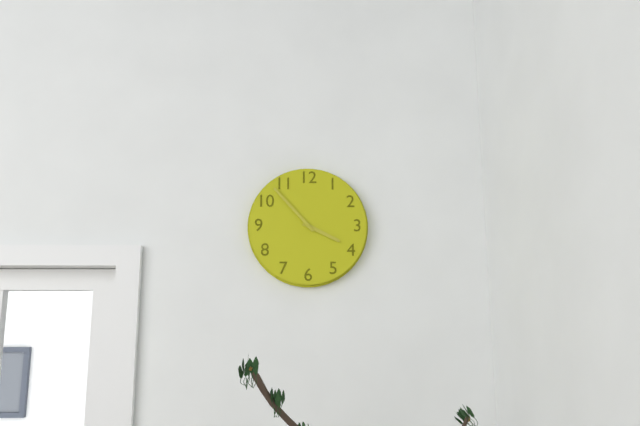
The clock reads 3.53
